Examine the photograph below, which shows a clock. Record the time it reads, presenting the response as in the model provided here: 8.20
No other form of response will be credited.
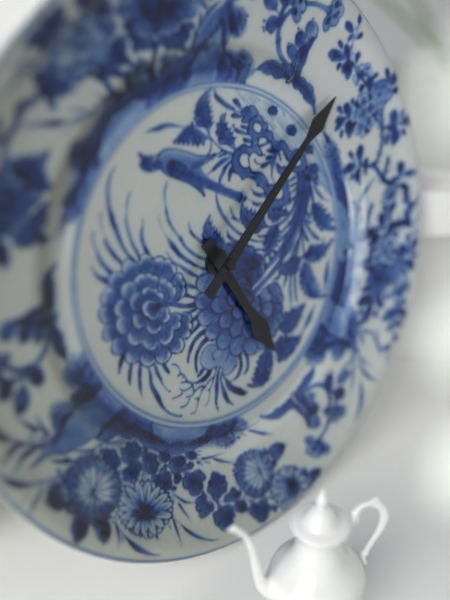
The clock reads 5.09
